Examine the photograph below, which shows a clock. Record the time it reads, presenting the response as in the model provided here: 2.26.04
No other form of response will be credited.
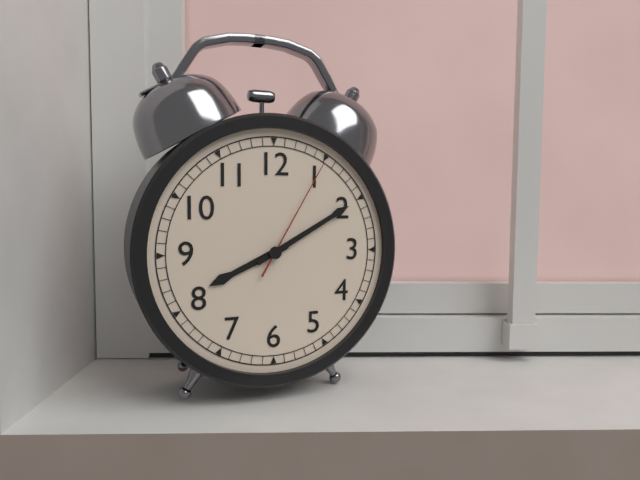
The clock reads 8.10.05
